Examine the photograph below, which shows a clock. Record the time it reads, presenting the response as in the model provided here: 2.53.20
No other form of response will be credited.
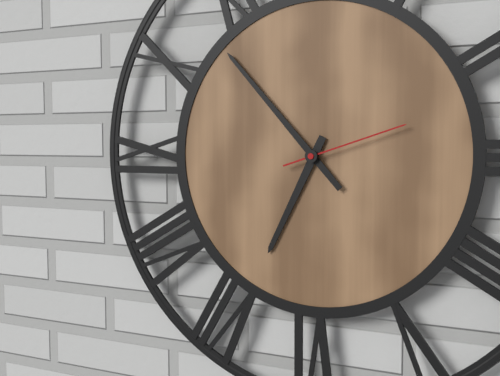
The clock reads 6.53.12
